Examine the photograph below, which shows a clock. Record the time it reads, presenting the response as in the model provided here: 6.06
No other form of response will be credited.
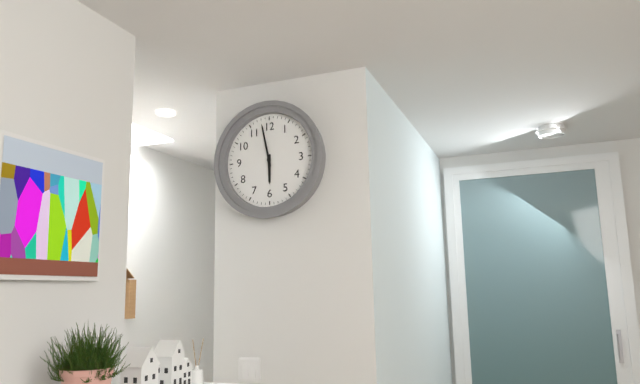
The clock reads 5.58
